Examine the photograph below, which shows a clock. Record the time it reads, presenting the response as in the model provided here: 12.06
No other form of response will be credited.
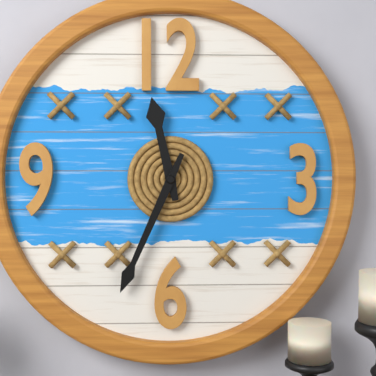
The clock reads 11.34
